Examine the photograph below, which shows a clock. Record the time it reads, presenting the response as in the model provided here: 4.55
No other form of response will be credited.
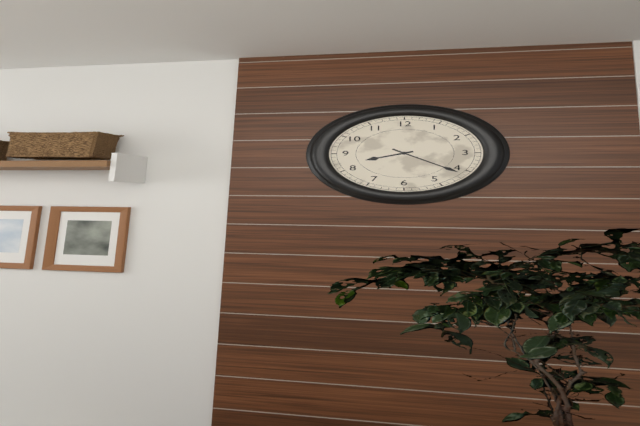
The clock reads 8.21
